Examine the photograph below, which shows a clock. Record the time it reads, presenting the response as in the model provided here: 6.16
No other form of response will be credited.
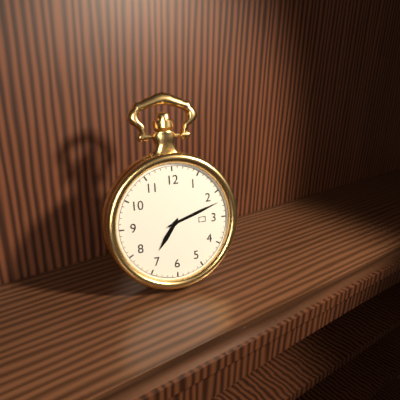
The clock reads 7.12
